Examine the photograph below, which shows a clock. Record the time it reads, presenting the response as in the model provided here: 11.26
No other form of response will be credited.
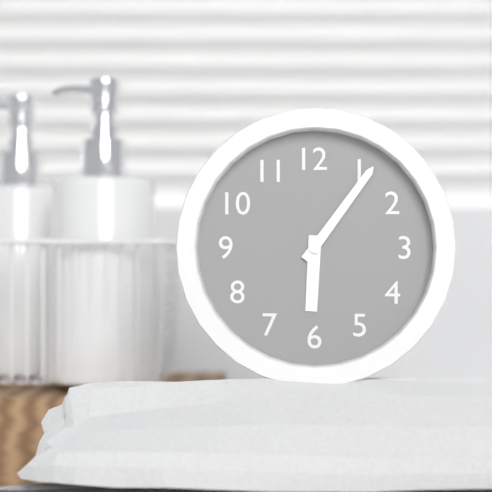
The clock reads 6.06
